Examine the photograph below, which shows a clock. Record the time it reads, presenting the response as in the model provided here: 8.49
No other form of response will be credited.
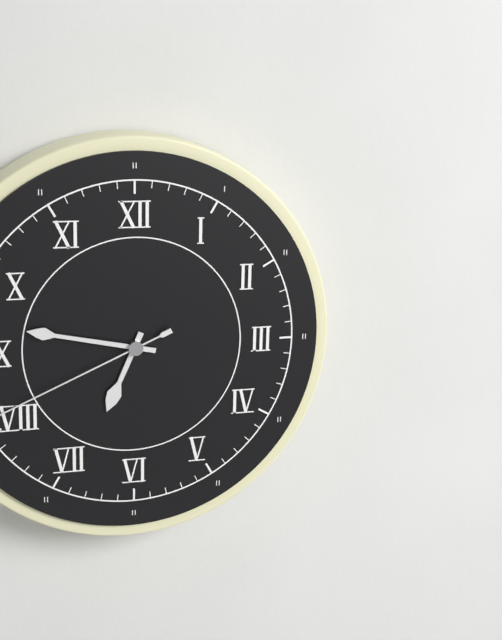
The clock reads 6.47
